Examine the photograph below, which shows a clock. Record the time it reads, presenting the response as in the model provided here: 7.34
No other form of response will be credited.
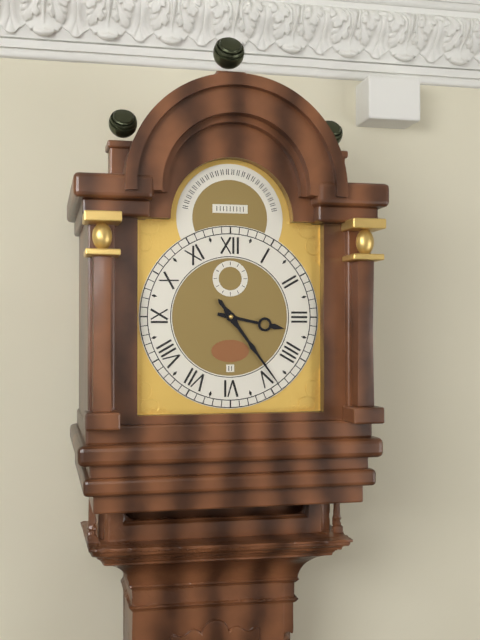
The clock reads 3.24
